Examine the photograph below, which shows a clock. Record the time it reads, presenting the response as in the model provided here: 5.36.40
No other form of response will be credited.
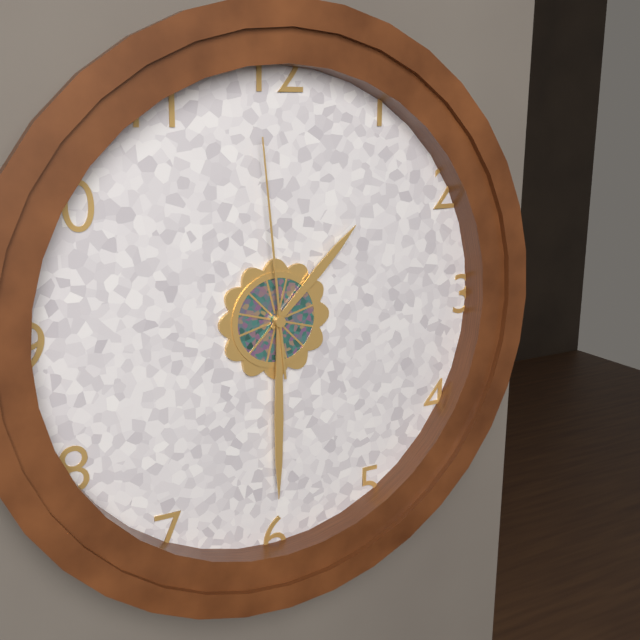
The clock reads 1.30.59
